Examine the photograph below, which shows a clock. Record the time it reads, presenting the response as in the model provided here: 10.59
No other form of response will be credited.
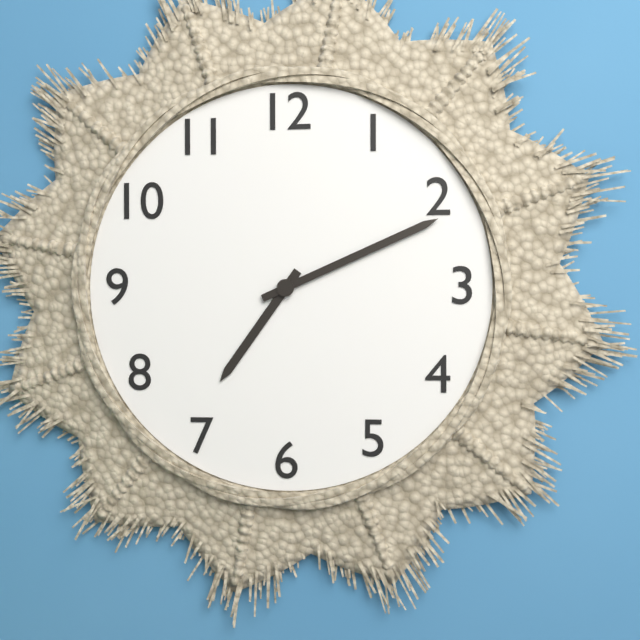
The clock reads 7.11
